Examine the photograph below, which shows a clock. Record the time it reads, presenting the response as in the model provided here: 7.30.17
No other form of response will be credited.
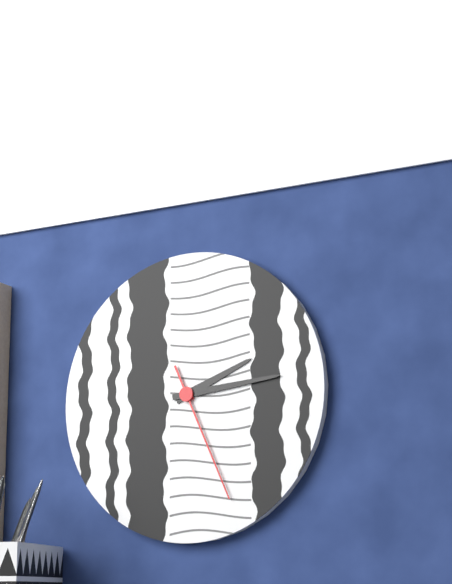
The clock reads 2.14.26
